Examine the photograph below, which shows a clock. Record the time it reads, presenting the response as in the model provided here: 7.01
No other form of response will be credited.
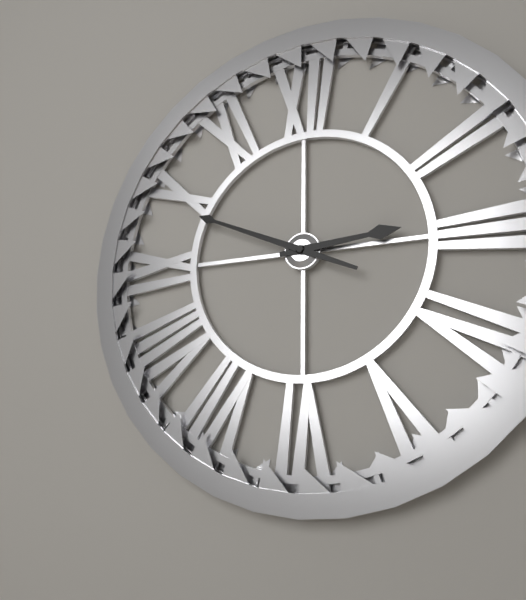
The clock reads 2.49
